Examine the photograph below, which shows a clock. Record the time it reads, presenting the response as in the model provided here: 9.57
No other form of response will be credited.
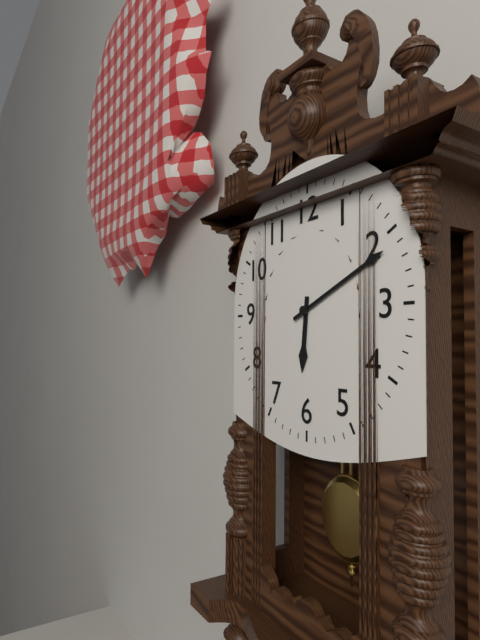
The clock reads 6.11
